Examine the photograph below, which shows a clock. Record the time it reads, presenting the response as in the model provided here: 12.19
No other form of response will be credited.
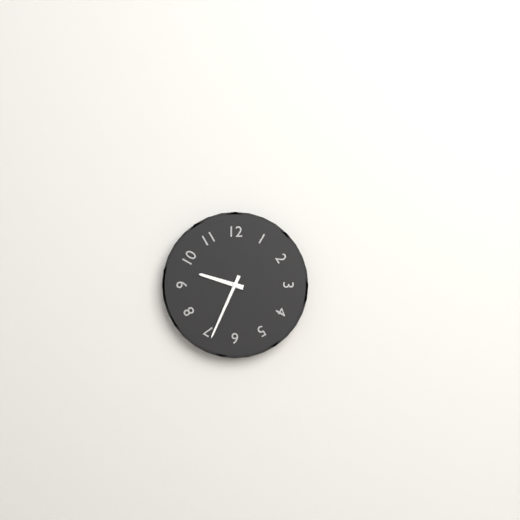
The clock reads 9.34
